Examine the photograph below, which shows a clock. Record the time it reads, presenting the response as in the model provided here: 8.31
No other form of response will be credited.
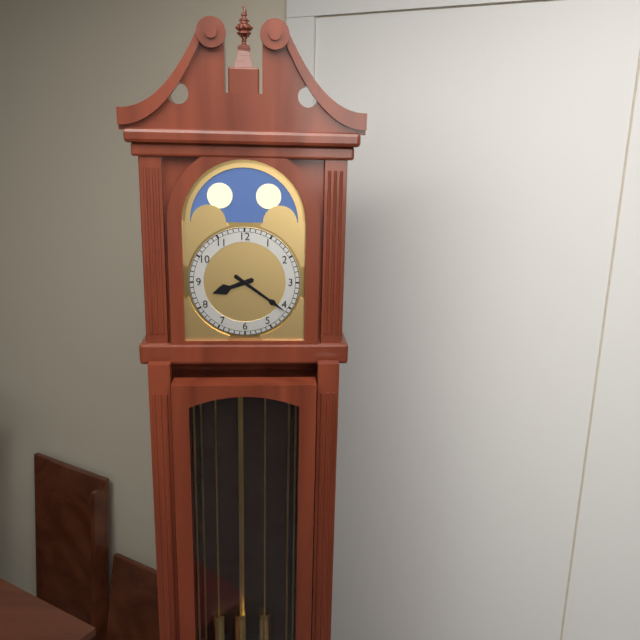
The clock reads 8.21
